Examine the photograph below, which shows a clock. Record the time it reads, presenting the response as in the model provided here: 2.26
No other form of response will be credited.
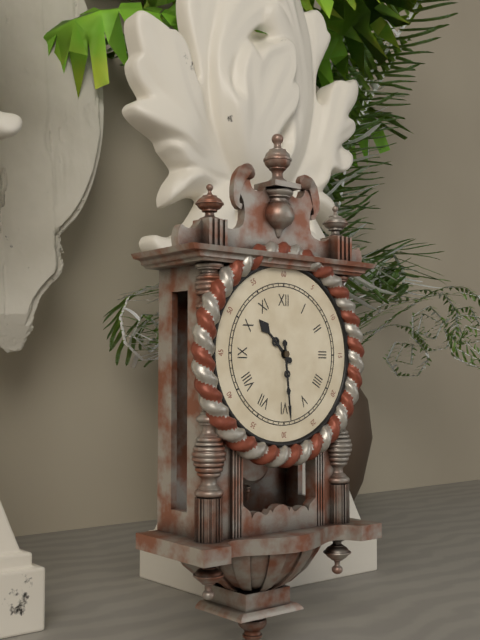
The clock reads 10.29
